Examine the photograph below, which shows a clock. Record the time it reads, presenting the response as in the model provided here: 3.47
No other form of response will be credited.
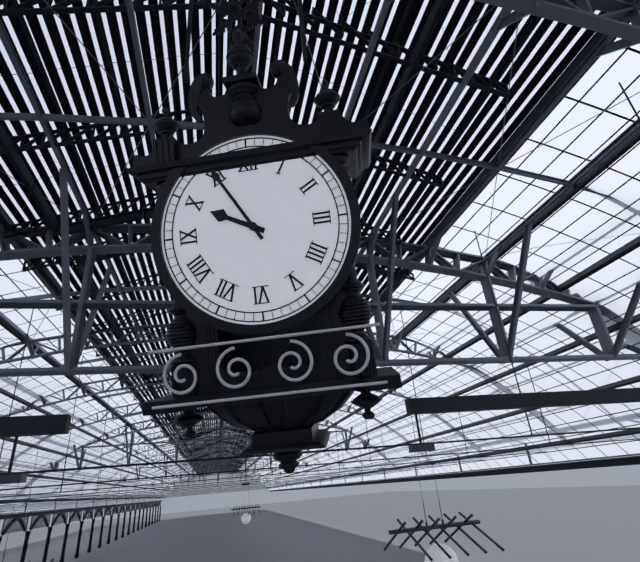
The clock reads 9.55
